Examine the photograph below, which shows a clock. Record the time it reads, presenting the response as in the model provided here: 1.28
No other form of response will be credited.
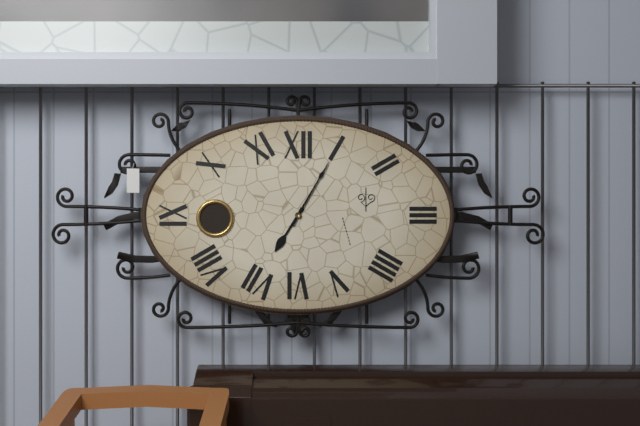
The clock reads 7.05
